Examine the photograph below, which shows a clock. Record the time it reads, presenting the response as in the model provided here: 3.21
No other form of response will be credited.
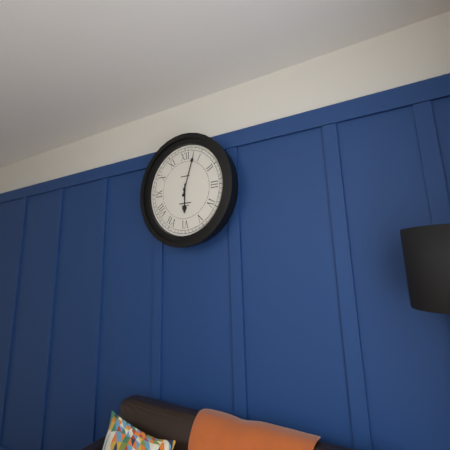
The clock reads 6.03
